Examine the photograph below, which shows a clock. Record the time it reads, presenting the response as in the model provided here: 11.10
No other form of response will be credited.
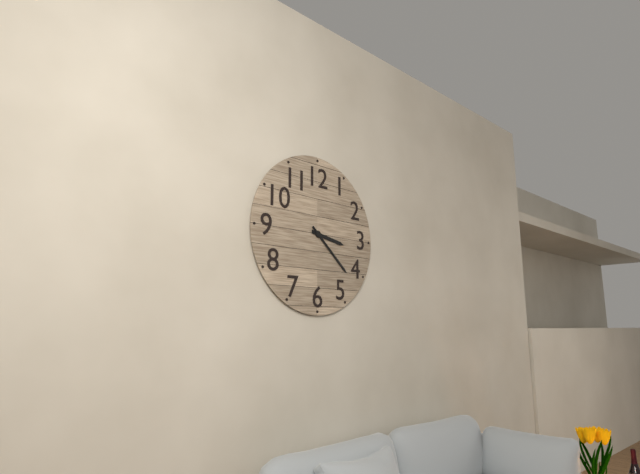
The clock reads 3.22
